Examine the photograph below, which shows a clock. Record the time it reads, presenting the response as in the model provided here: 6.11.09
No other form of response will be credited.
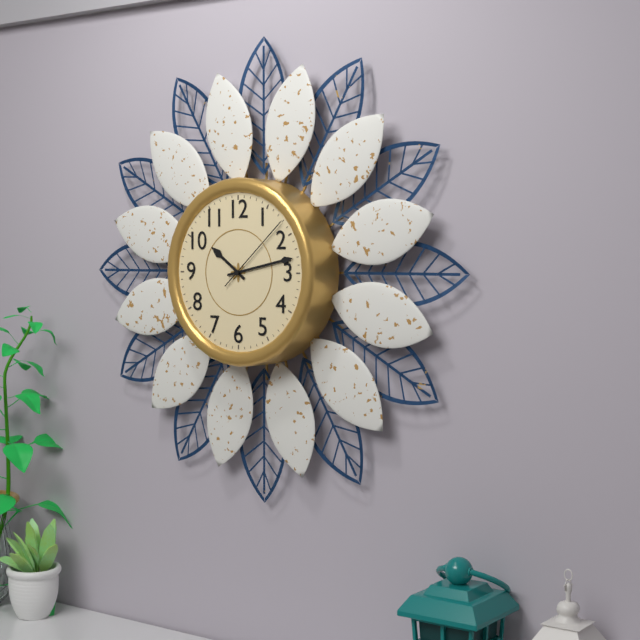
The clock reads 10.13.08
